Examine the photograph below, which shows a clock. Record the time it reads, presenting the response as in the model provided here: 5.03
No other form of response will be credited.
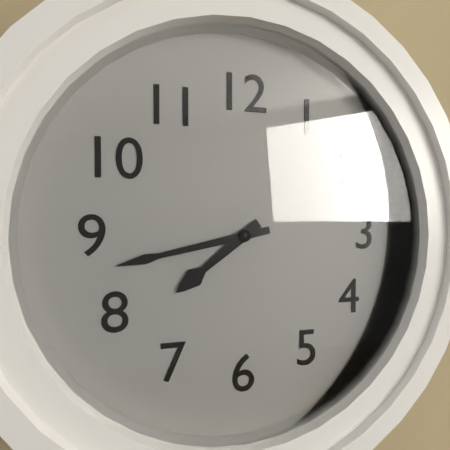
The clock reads 7.43
